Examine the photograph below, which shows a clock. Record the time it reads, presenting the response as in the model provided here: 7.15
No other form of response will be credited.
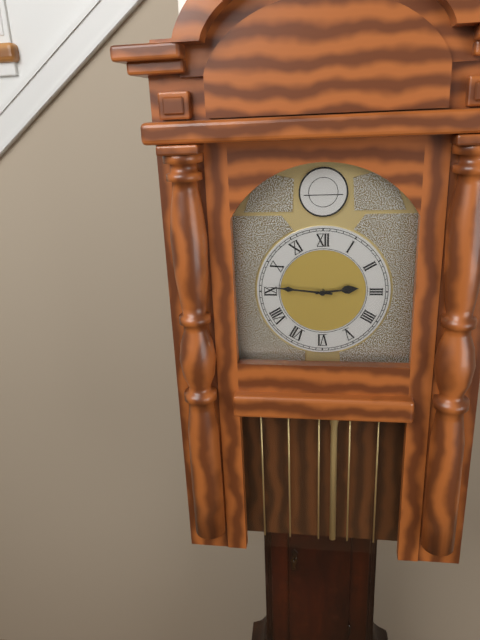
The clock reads 2.46
